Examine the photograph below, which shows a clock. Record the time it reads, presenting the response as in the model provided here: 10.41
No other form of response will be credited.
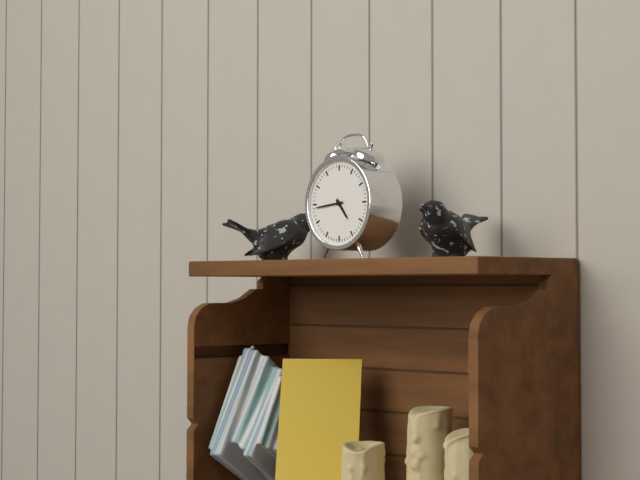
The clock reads 4.44
